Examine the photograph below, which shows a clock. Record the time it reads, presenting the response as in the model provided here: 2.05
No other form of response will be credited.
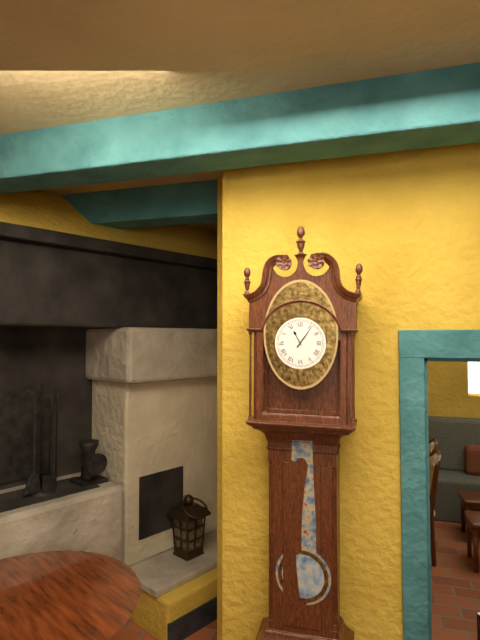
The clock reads 11.06
